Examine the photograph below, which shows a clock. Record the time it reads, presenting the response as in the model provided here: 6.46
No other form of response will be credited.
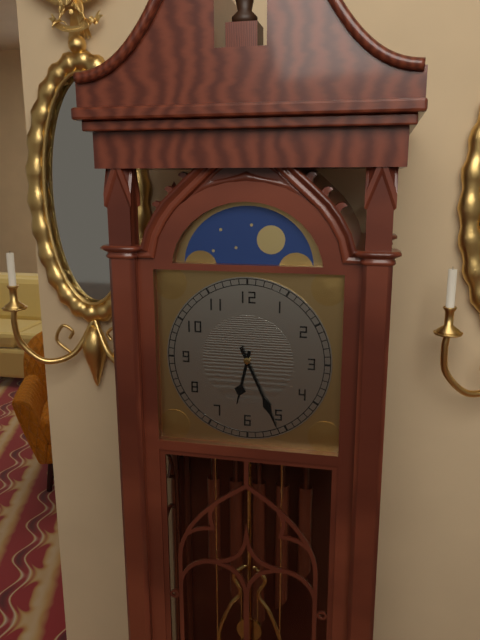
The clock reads 6.26
